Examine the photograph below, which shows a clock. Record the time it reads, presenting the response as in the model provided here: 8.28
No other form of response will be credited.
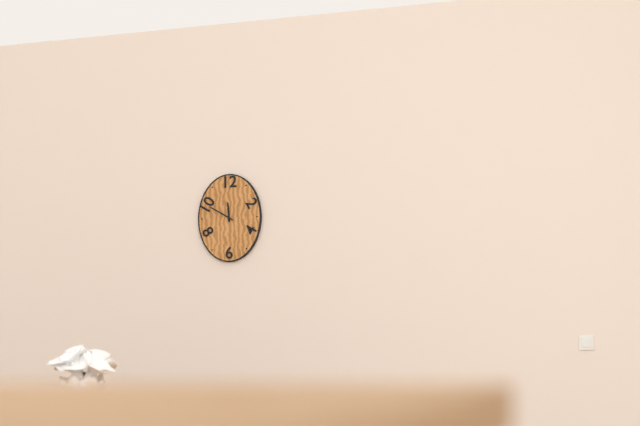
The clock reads 11.50
